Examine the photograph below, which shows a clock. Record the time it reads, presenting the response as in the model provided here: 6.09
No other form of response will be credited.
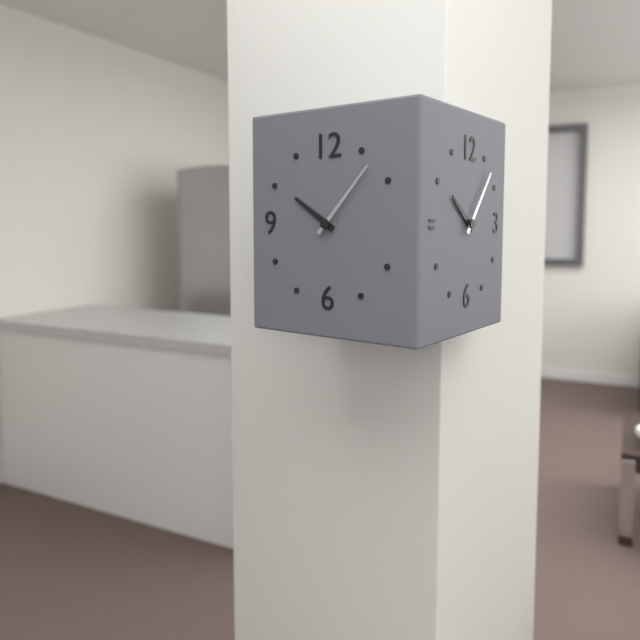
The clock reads 10.07
